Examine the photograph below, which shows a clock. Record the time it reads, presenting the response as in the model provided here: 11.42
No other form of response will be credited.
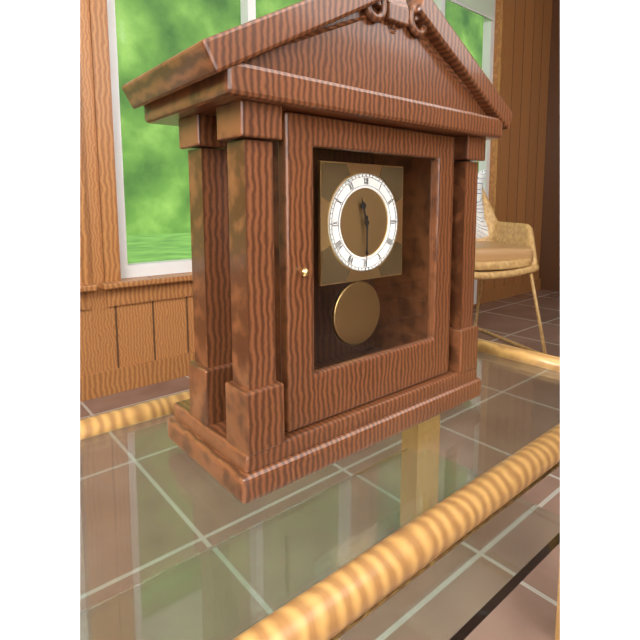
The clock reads 11.30
